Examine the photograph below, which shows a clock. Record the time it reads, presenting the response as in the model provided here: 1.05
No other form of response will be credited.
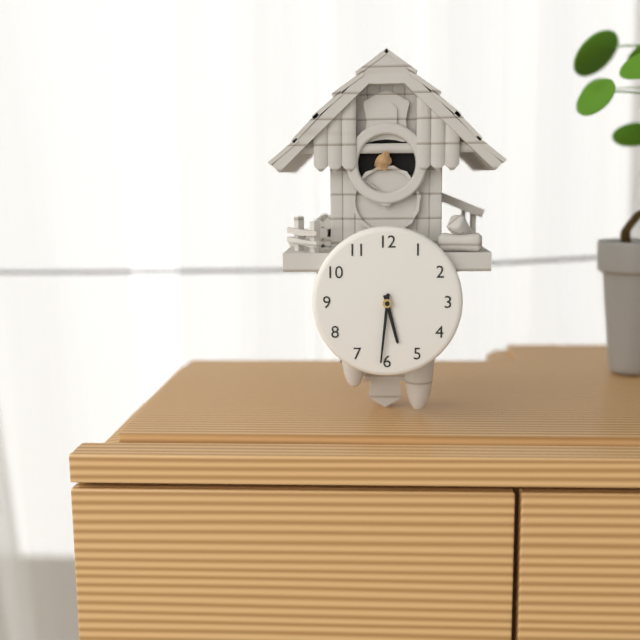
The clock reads 5.31
